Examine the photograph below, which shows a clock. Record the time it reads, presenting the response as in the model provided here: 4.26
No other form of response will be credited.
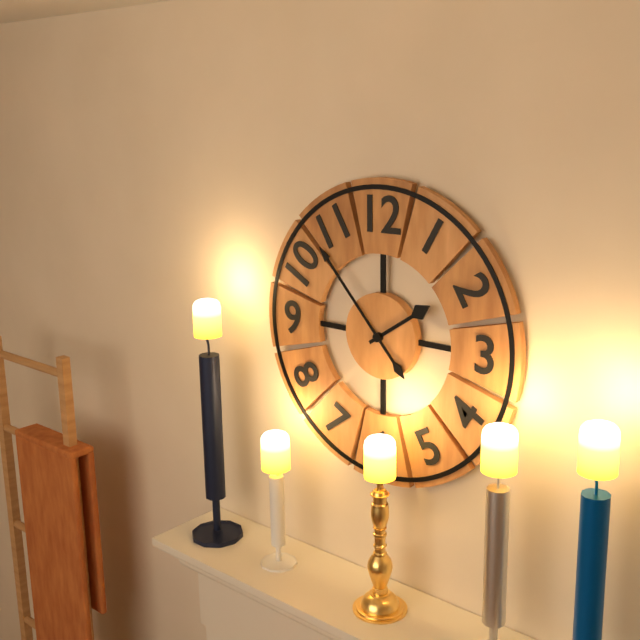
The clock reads 1.53
